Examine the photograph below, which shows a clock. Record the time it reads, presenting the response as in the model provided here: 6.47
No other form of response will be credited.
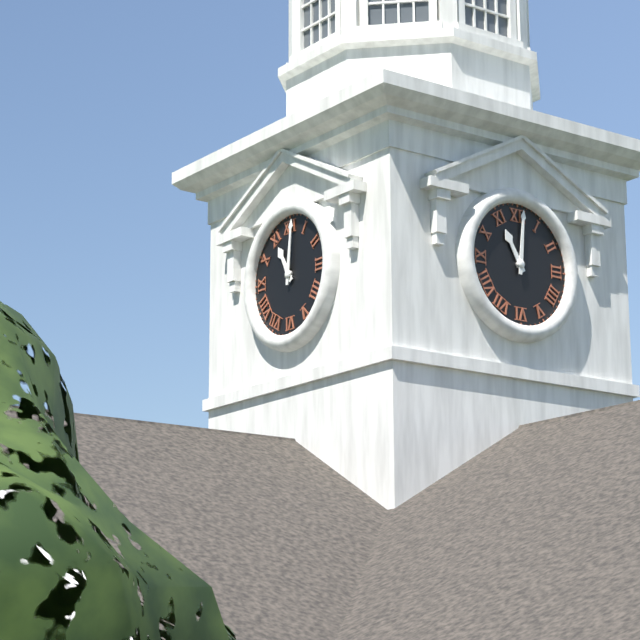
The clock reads 11.01
